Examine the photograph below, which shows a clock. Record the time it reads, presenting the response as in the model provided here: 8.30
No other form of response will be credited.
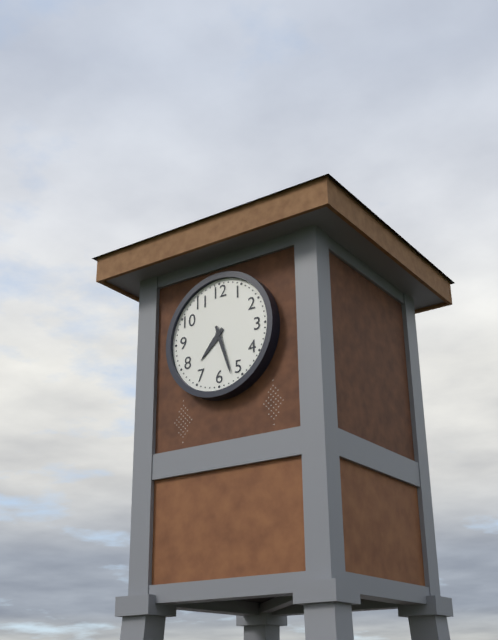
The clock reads 7.27
